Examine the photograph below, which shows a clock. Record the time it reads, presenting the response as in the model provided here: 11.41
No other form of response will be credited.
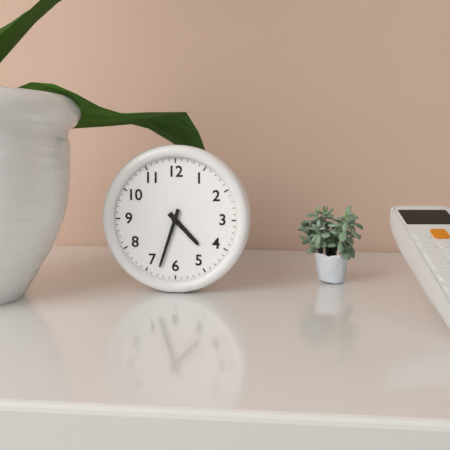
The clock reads 4.33
